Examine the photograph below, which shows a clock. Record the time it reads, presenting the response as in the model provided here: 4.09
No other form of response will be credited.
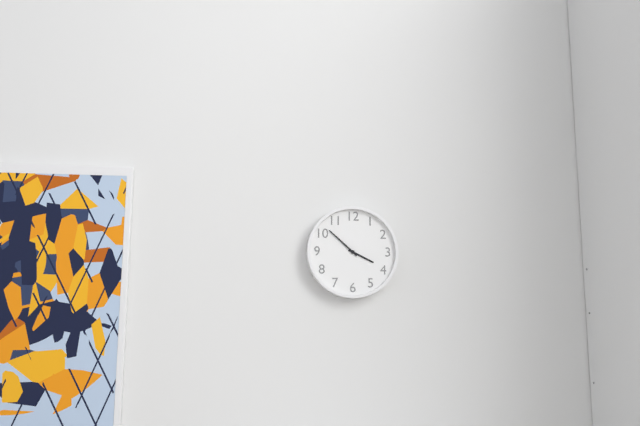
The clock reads 3.52
